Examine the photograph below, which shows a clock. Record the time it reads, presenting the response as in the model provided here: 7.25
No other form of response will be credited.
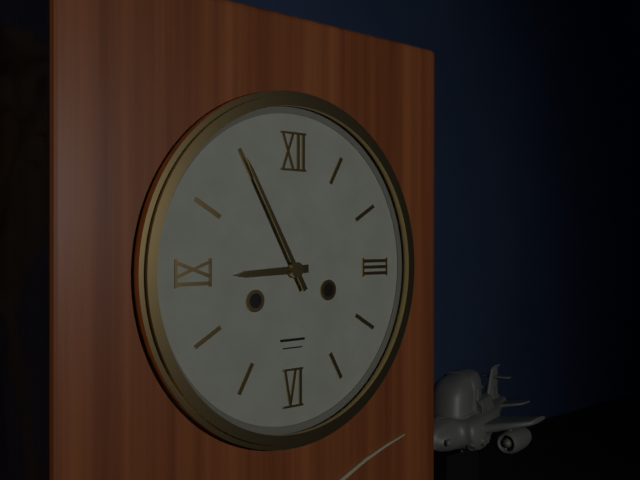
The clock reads 8.55
